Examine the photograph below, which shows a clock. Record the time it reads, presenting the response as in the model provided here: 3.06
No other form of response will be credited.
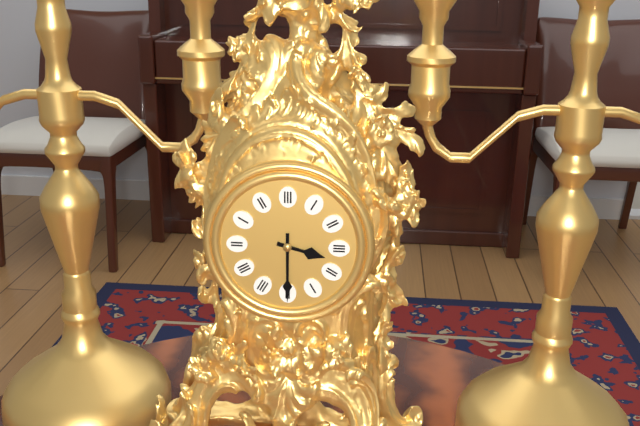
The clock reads 3.30
